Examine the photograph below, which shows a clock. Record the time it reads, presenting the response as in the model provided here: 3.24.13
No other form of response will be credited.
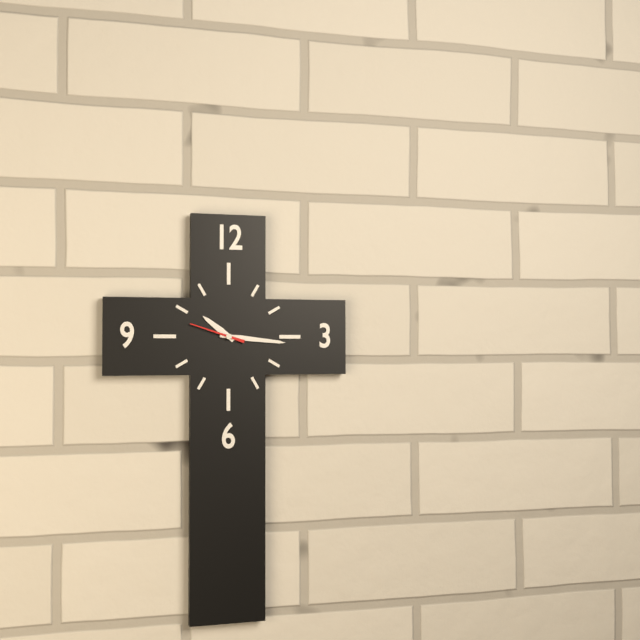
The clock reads 10.16.48
